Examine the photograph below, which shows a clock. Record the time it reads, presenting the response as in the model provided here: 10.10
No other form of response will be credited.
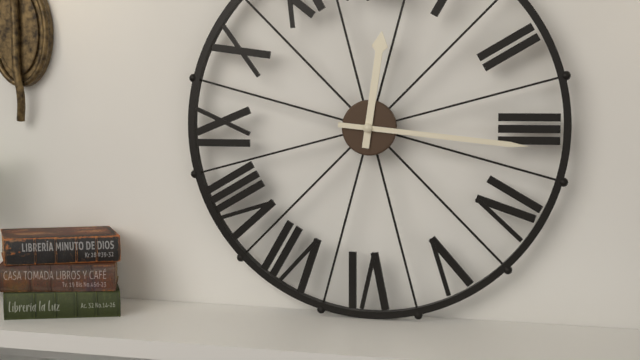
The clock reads 12.16
